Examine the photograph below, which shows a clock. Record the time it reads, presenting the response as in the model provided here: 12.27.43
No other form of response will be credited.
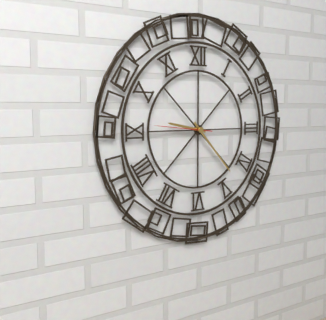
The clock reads 9.23.46
